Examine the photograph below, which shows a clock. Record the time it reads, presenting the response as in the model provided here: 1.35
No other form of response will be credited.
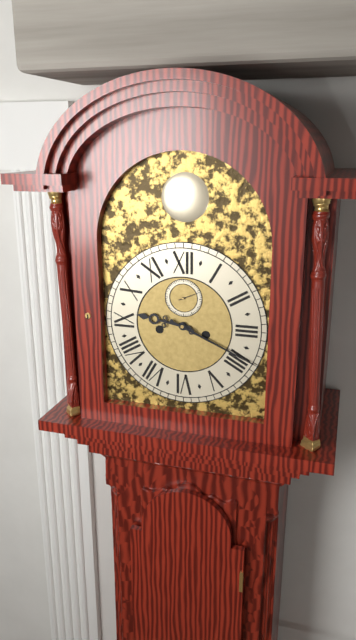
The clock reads 9.19
